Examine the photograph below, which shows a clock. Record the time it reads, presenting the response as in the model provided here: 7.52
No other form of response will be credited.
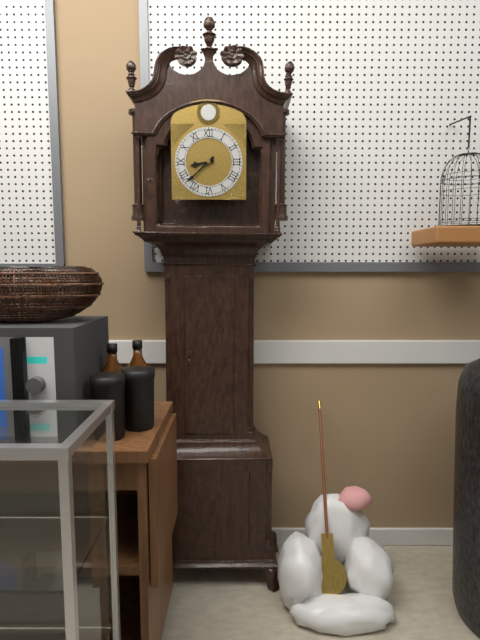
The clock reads 8.38
